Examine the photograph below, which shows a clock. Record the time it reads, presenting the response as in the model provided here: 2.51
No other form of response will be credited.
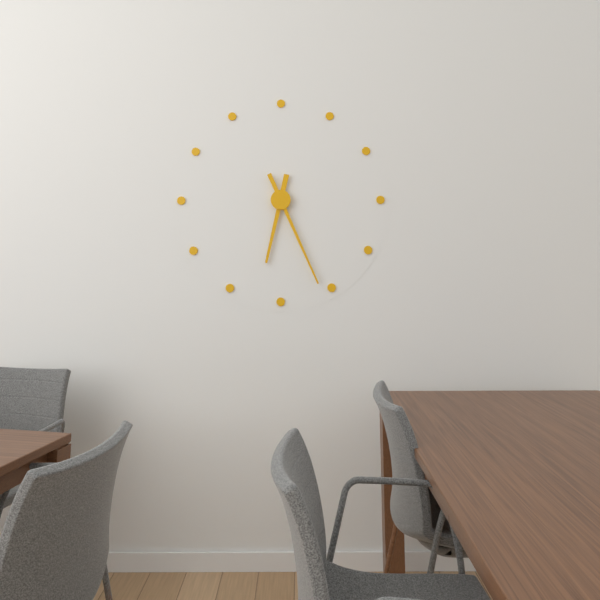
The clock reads 6.26
